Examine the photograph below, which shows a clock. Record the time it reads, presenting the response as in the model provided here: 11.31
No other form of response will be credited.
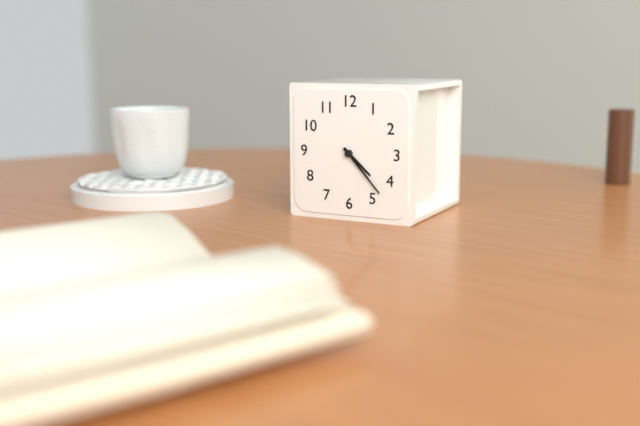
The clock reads 4.23
